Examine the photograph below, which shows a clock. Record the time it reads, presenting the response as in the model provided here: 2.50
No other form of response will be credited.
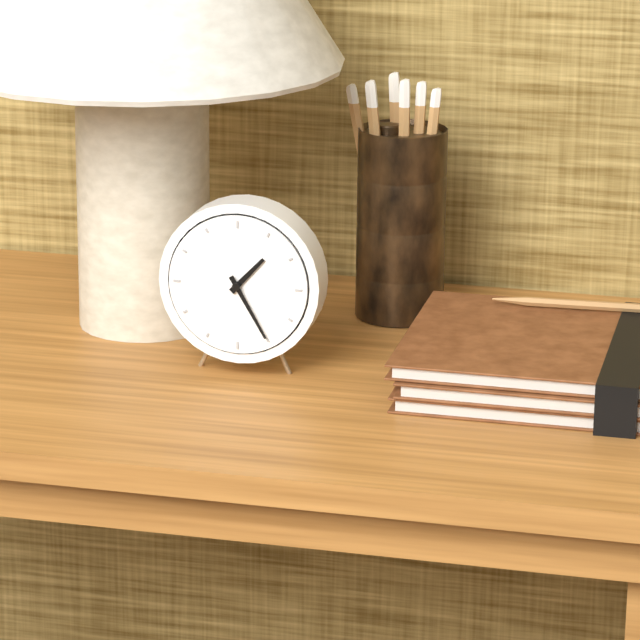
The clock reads 1.25
